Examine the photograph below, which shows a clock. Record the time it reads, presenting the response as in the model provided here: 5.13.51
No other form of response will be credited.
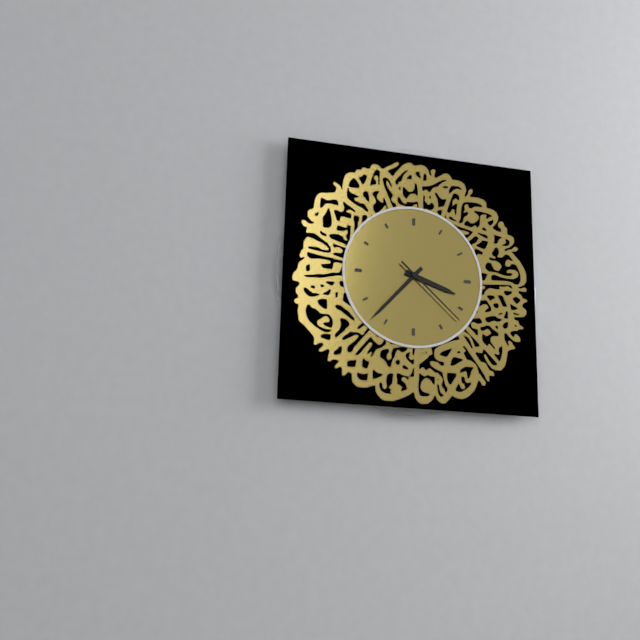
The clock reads 3.37.22
